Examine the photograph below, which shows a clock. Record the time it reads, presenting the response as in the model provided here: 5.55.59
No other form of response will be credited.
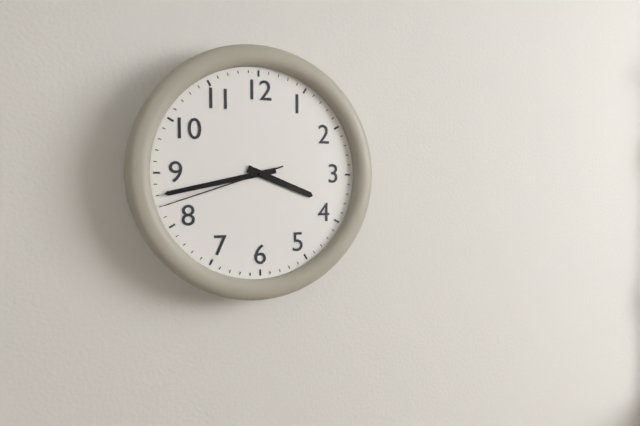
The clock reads 3.43.42
